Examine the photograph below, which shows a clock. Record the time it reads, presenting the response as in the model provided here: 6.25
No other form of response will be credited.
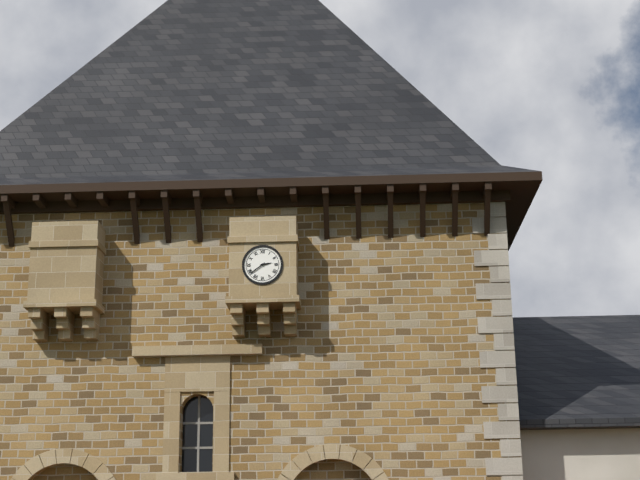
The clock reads 2.39
